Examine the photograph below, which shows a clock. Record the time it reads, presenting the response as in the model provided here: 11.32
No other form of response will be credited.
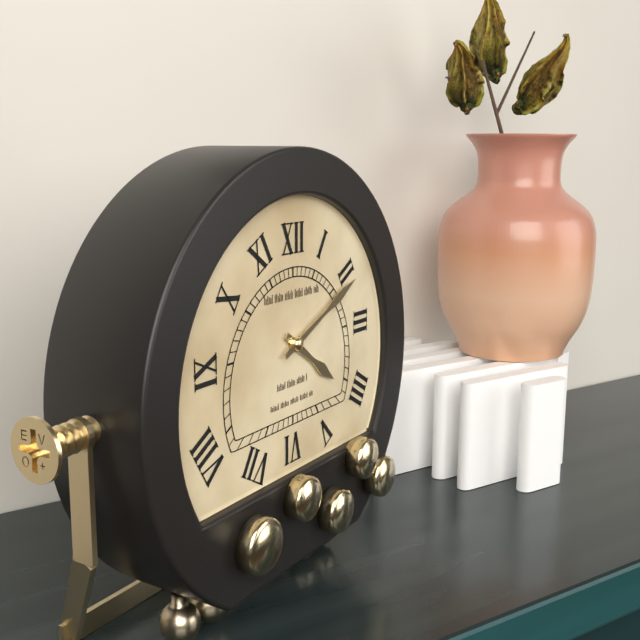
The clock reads 4.11
